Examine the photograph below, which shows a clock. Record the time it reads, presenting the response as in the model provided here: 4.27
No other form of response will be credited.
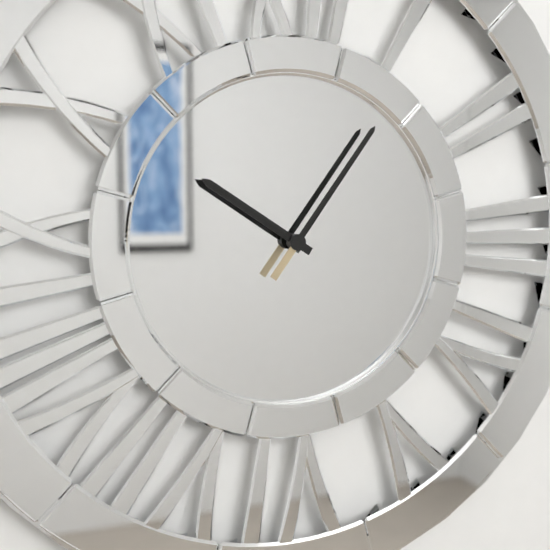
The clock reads 10.06
